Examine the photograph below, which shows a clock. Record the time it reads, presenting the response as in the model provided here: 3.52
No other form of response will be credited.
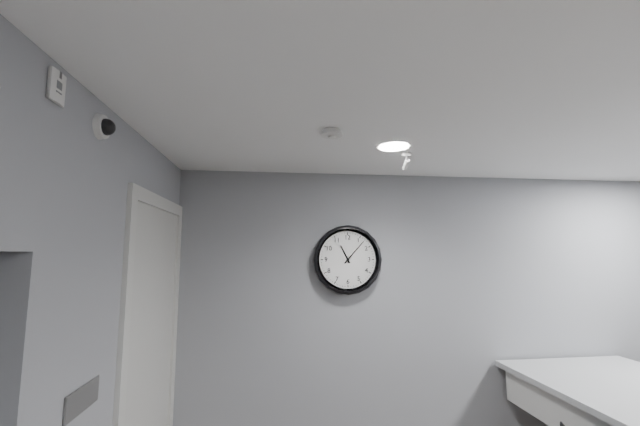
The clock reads 11.07
